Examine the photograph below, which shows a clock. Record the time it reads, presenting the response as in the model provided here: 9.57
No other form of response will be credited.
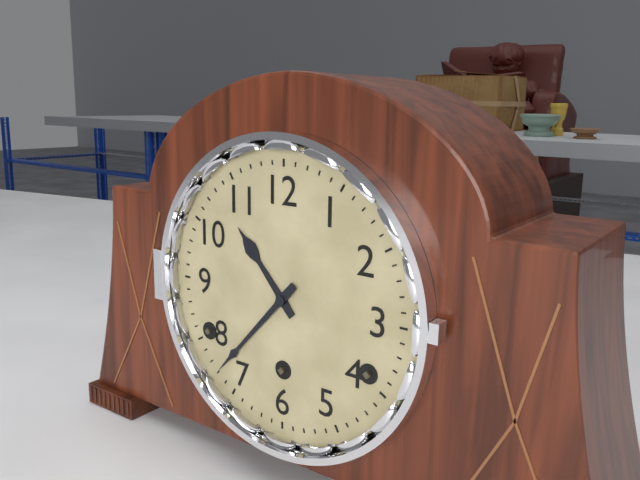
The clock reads 10.37
